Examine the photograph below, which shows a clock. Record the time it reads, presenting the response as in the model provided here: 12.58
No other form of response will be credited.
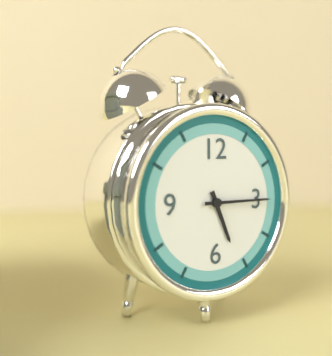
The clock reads 5.15
